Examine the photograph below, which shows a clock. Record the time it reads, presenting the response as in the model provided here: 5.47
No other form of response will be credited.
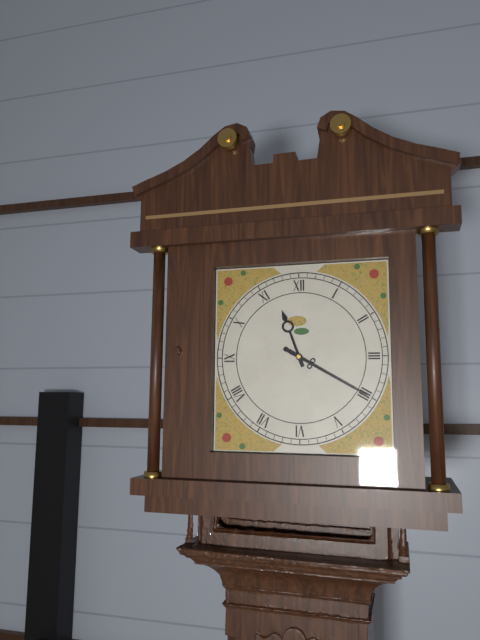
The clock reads 11.20
